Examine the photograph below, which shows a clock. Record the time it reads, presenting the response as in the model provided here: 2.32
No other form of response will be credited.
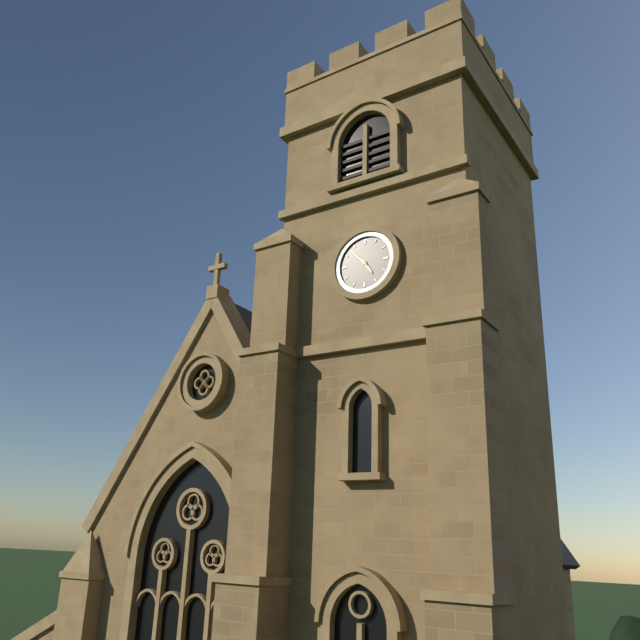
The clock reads 4.53
